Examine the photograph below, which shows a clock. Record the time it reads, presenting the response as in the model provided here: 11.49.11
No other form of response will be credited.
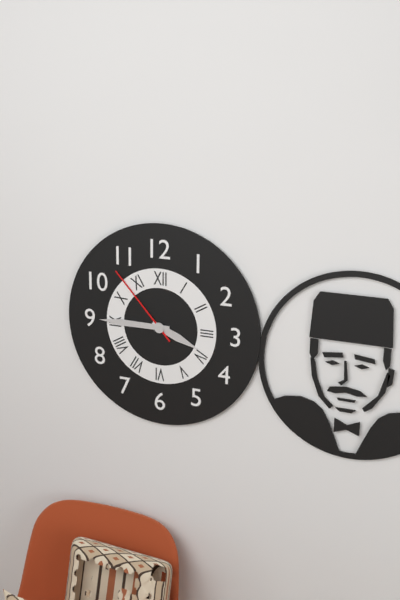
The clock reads 3.45.53
